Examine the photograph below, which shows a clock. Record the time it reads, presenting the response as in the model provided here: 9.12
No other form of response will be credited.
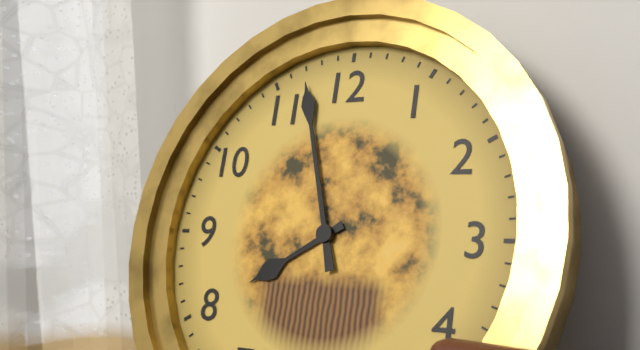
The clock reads 7.57
